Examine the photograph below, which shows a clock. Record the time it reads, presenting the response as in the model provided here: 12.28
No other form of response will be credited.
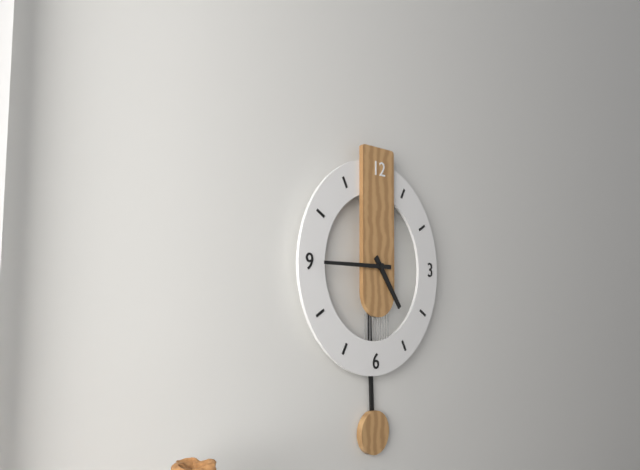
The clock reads 4.45
